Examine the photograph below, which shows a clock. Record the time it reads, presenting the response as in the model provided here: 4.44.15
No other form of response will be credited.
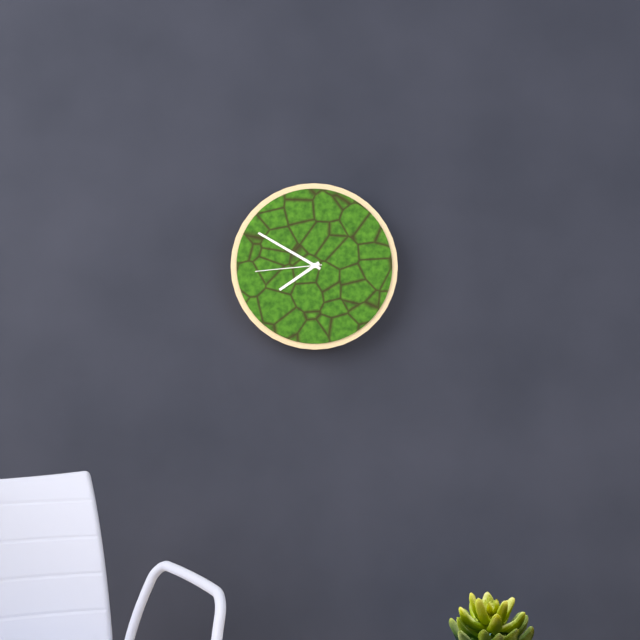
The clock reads 7.50.44
